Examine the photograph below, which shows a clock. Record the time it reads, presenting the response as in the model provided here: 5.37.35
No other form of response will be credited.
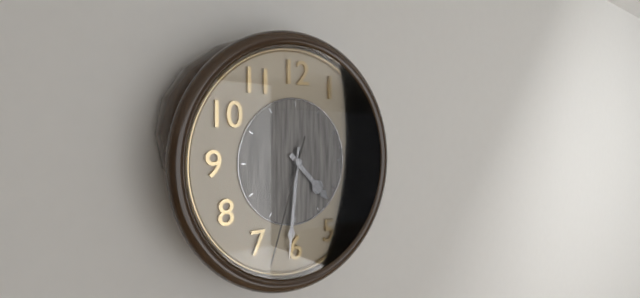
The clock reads 4.31.33
